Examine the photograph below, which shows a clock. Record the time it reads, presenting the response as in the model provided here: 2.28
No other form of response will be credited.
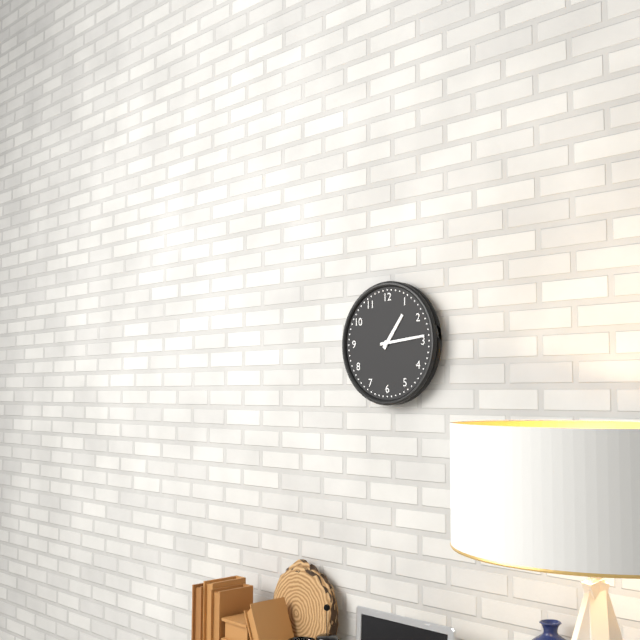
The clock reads 1.14
